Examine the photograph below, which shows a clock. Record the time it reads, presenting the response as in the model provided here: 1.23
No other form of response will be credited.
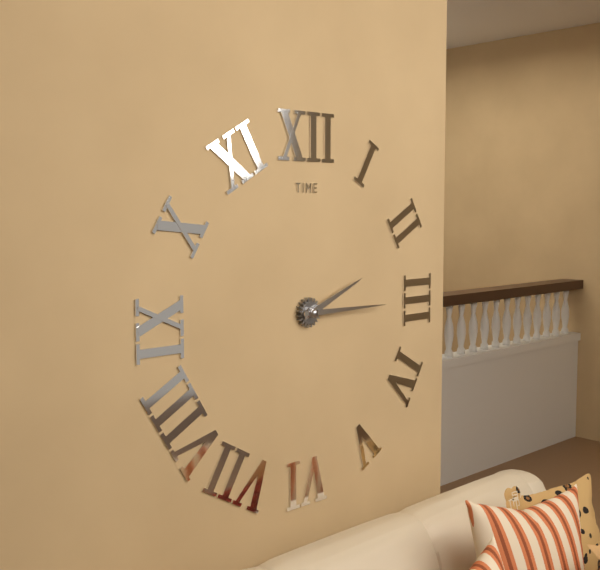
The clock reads 2.15
